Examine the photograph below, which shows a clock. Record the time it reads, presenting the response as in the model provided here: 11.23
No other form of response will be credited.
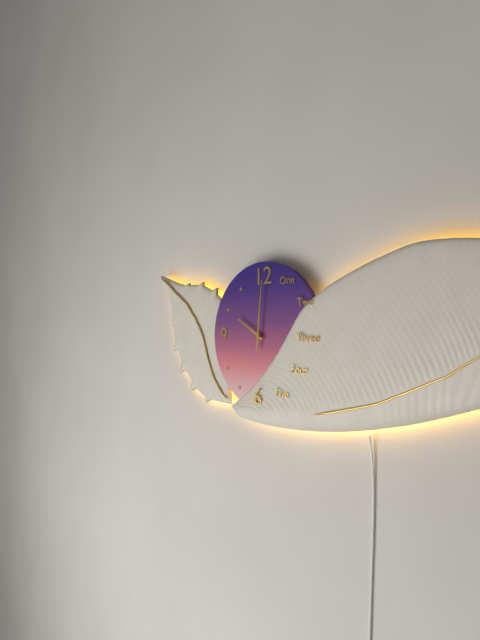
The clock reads 10.01
